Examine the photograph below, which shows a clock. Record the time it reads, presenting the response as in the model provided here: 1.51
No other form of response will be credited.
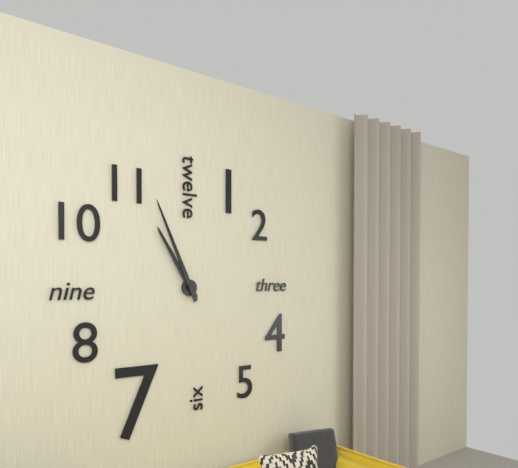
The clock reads 10.56
